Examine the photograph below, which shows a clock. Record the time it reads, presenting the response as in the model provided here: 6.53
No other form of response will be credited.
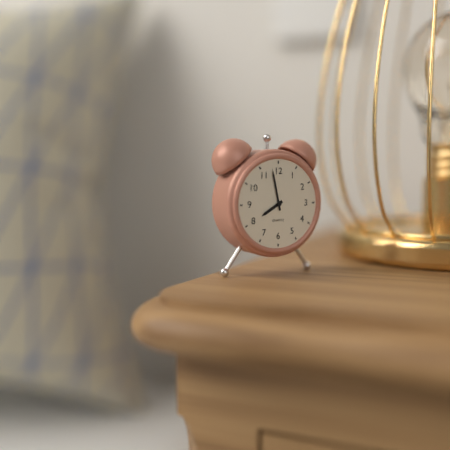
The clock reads 7.58
